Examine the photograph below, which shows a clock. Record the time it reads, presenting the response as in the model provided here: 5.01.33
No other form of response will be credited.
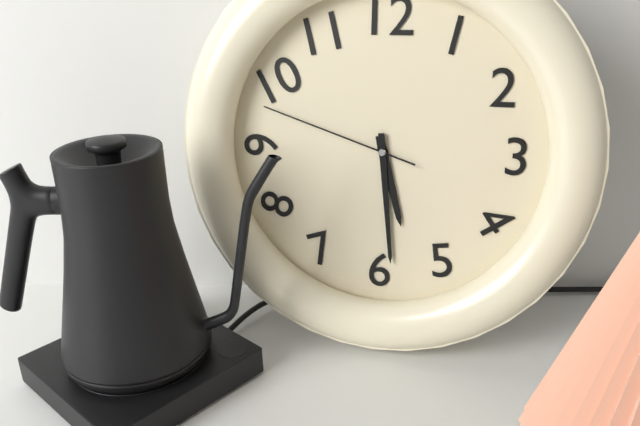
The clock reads 5.29.48
